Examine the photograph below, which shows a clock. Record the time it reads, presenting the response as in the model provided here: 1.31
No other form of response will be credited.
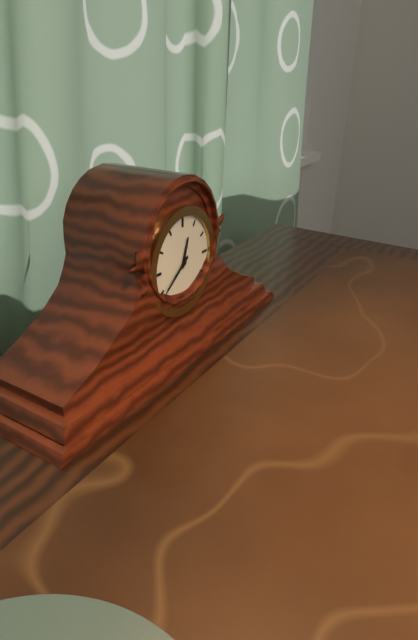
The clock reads 12.39
